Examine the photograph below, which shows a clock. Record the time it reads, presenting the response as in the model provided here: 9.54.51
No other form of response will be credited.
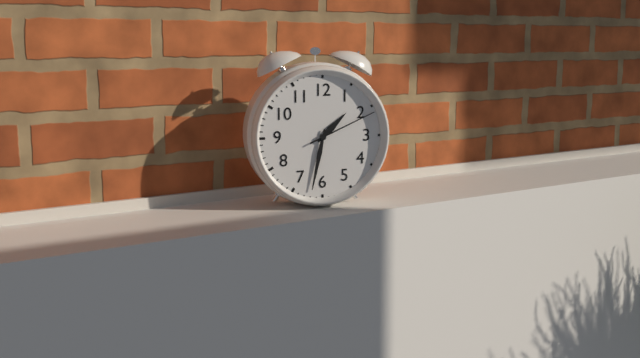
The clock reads 1.32.11
